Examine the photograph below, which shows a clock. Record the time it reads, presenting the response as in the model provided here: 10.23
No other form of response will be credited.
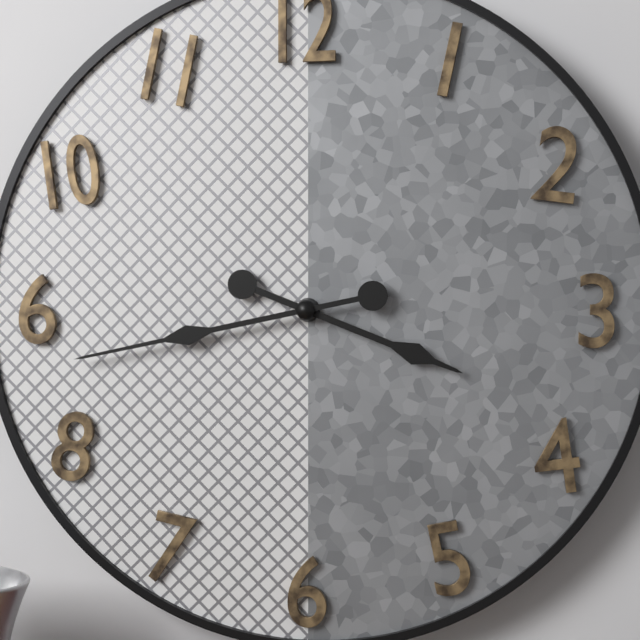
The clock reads 3.43
